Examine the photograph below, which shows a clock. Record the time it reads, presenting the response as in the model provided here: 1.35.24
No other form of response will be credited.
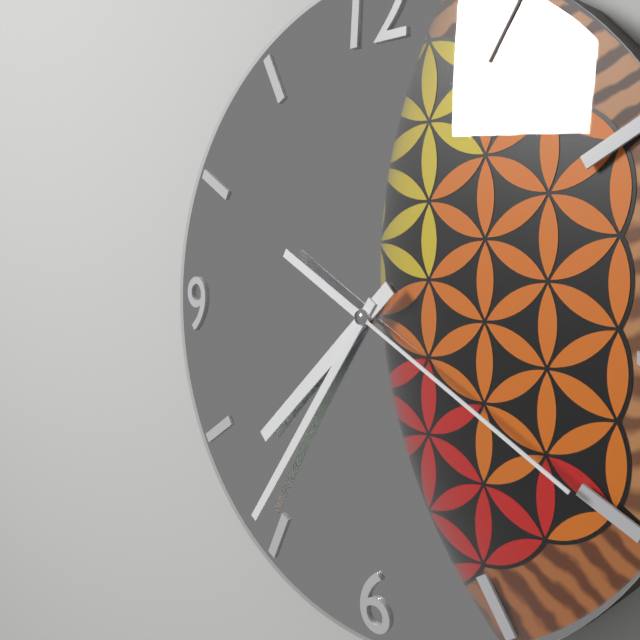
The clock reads 7.36.20
